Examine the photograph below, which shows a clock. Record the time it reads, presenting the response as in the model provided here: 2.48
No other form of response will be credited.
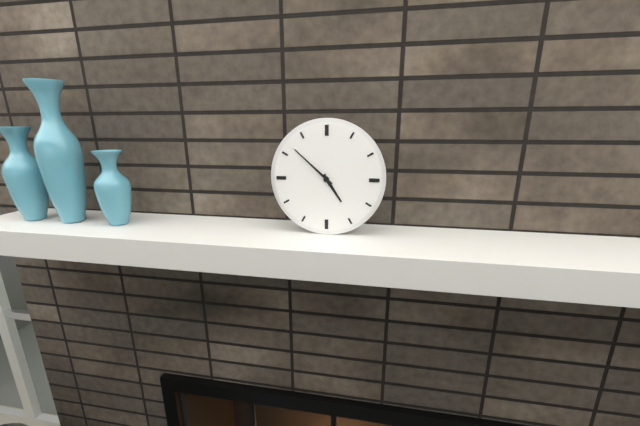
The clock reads 4.52
